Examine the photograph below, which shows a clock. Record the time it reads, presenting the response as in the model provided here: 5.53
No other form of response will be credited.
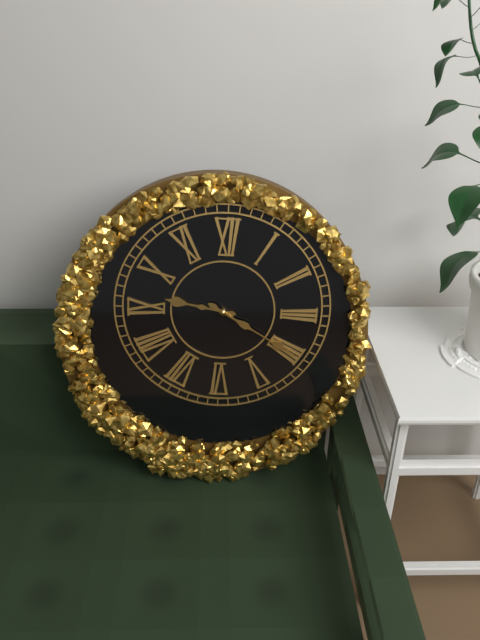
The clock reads 9.20
